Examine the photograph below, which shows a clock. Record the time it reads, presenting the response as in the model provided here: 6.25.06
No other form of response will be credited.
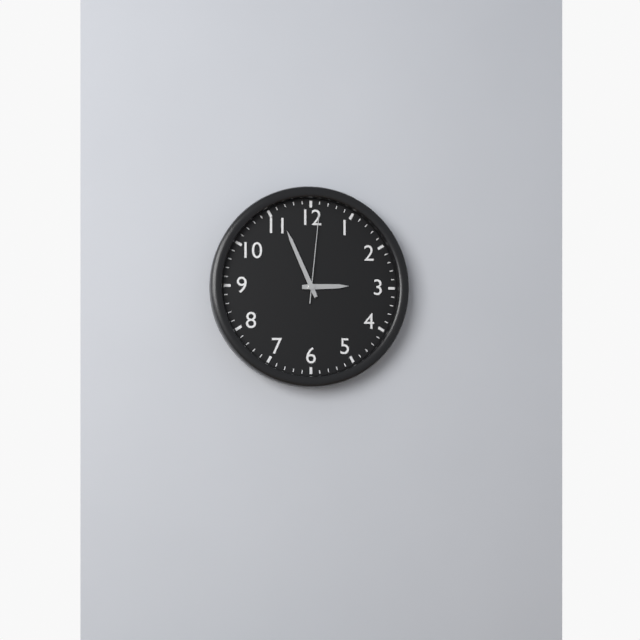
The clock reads 2.56.01
